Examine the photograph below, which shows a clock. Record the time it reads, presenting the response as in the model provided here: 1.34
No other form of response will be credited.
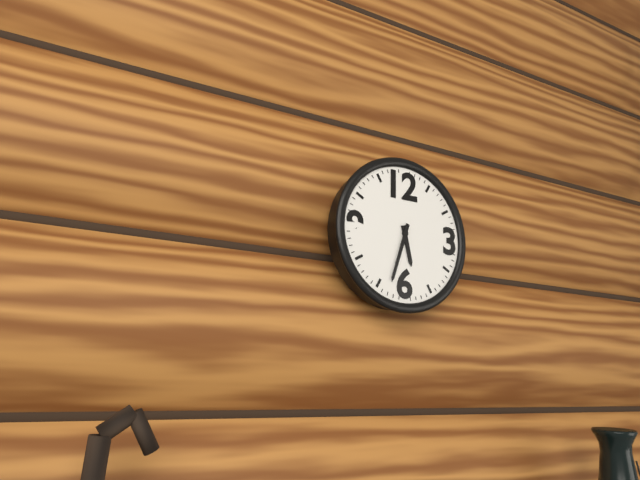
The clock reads 5.33
